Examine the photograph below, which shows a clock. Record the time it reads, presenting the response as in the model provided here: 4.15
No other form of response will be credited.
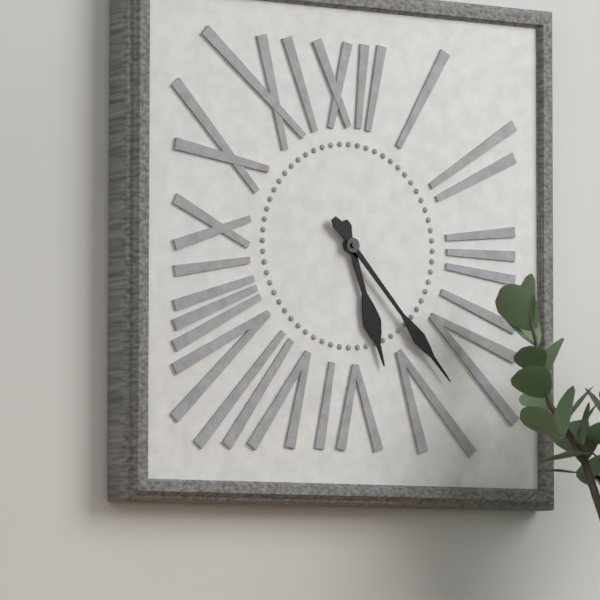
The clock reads 5.23
